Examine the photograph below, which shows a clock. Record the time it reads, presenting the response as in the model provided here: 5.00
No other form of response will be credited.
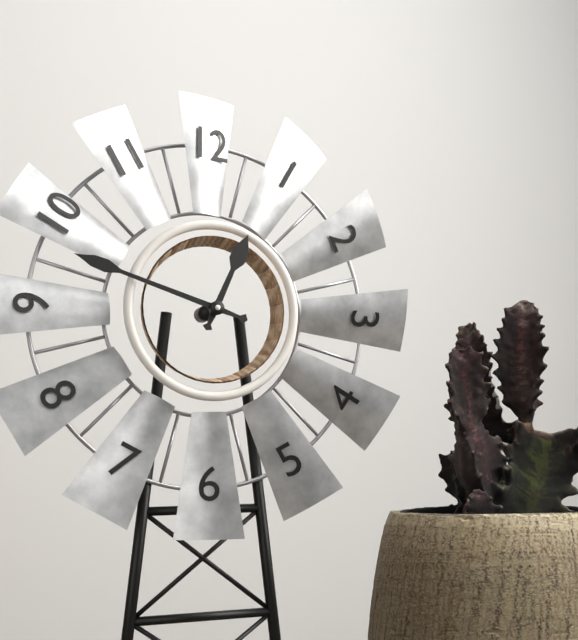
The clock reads 12.48
